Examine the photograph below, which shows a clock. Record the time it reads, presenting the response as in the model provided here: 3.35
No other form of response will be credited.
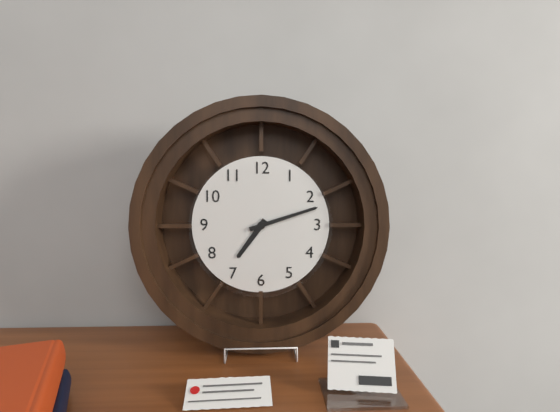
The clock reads 7.12
